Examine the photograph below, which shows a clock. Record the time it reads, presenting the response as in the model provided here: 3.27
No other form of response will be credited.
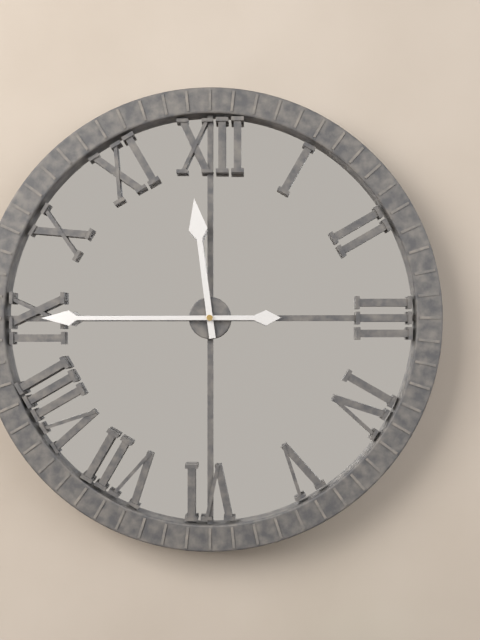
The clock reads 11.45
